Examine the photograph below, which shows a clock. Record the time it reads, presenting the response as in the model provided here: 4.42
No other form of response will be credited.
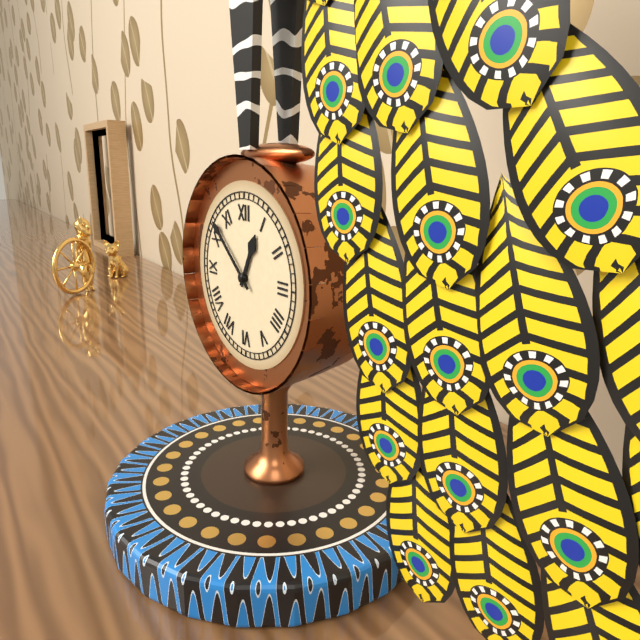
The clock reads 12.52
